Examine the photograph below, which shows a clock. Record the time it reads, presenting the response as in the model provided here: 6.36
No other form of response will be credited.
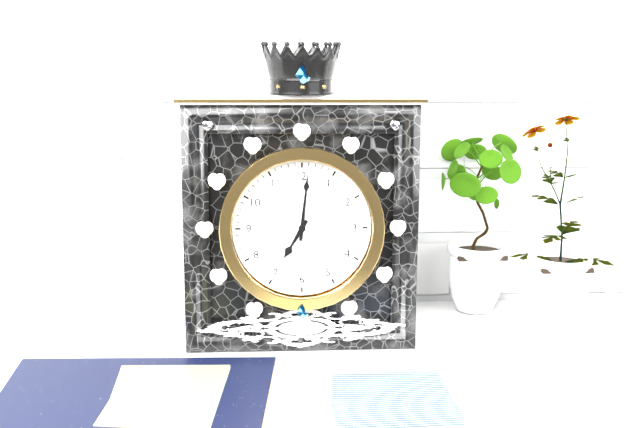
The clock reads 7.01
